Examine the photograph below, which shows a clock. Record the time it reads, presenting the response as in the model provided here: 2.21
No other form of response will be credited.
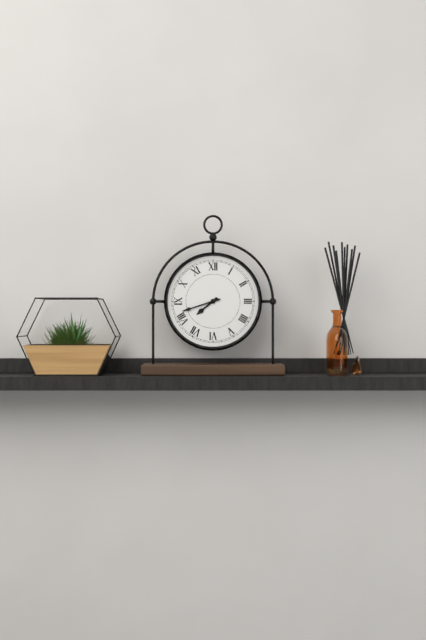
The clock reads 7.42
